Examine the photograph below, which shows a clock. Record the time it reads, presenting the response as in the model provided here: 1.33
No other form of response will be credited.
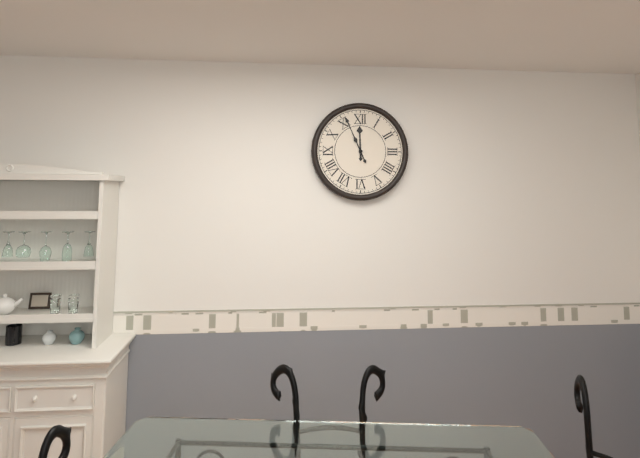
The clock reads 11.56
